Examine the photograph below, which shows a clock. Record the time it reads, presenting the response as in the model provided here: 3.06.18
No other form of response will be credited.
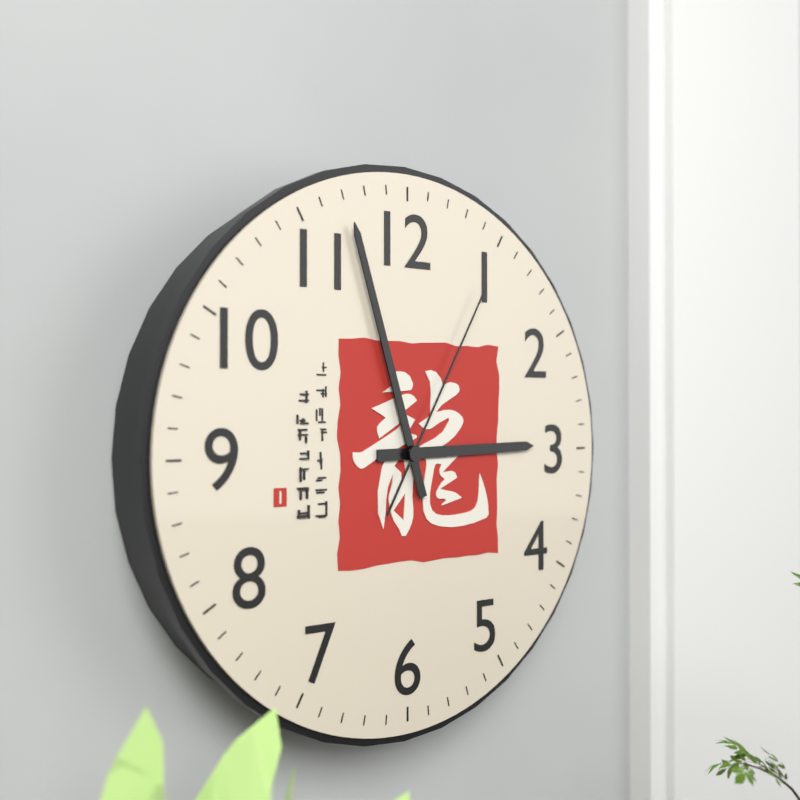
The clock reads 2.57.05
